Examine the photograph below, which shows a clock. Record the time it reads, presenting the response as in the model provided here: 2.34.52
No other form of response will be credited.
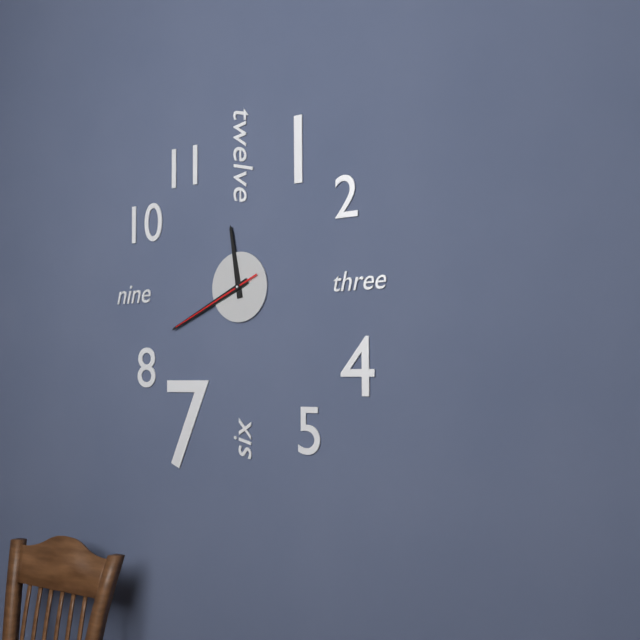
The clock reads 11.41.41
